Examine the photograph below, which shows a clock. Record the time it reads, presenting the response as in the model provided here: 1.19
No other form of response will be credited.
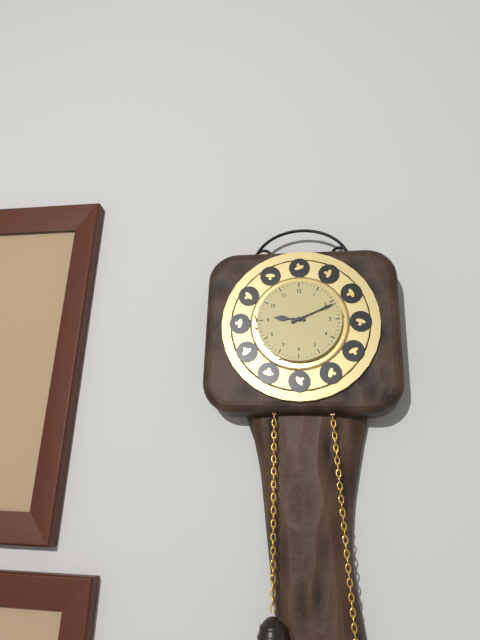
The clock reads 9.11
